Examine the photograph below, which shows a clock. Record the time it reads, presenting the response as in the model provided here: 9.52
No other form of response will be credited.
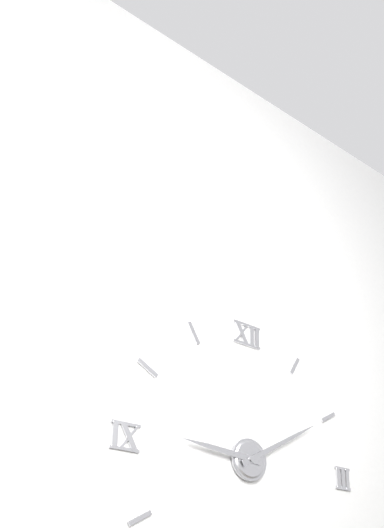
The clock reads 9.10
